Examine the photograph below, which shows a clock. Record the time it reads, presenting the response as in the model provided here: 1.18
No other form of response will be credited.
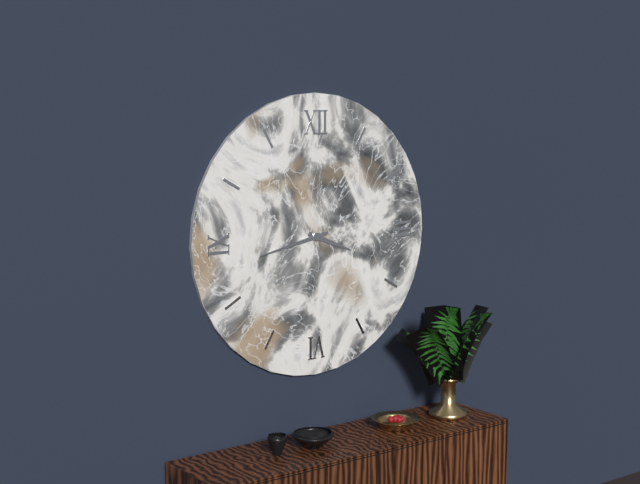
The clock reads 3.43
